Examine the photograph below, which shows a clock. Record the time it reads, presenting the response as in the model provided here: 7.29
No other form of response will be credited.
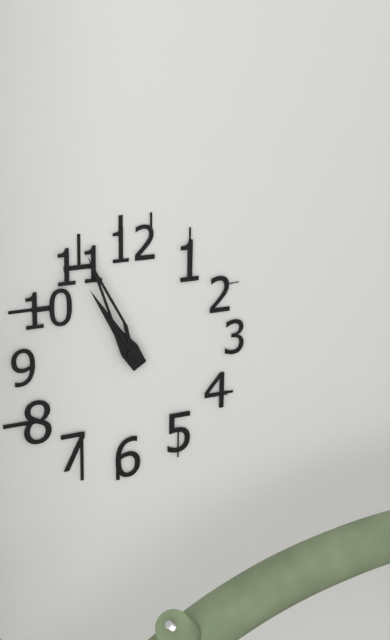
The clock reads 10.56
